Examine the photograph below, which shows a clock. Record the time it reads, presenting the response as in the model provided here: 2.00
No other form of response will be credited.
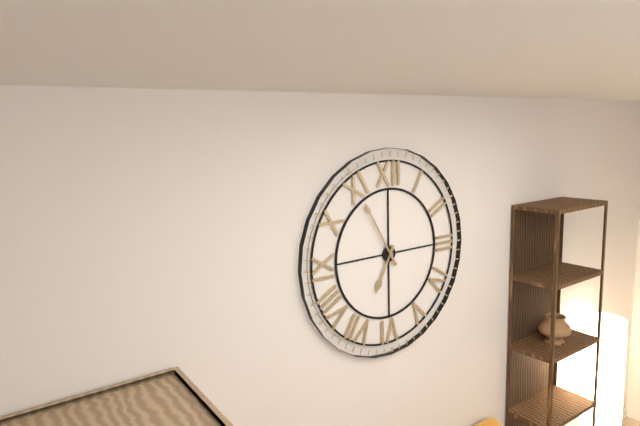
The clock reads 6.55
